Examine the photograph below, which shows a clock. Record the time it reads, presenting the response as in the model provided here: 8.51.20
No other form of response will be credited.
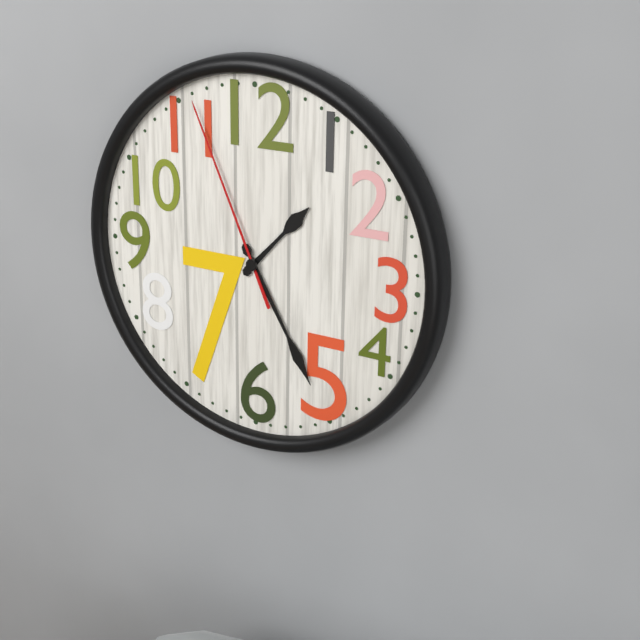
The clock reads 1.25.56
